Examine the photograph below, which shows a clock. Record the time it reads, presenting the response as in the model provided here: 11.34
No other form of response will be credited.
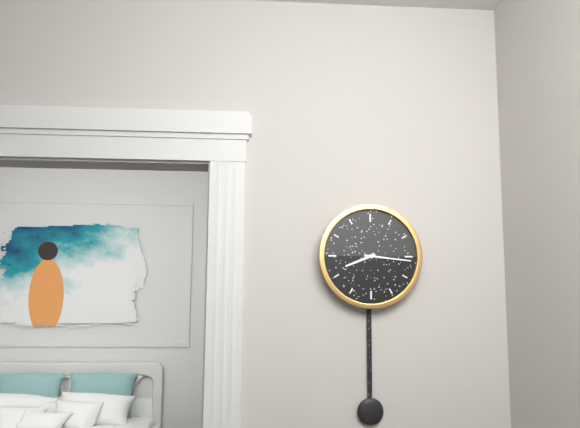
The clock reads 8.16
